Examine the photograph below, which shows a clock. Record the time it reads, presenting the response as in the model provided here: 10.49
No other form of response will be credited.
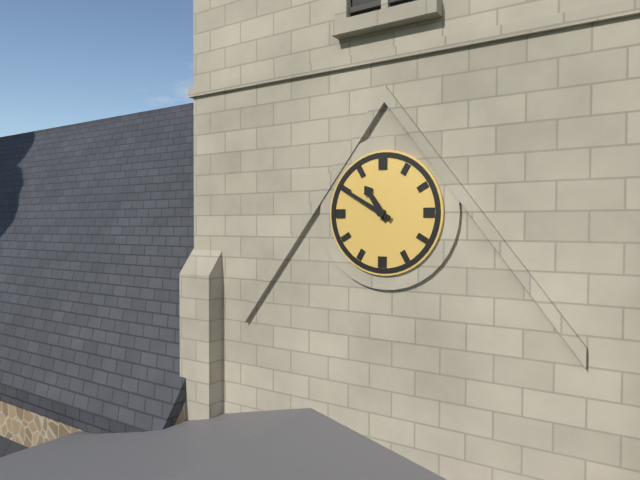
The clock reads 10.50
